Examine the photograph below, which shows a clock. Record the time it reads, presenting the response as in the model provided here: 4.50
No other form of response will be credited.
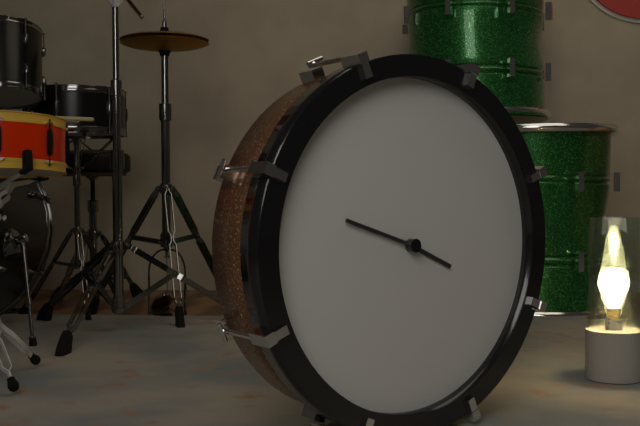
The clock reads 3.48
